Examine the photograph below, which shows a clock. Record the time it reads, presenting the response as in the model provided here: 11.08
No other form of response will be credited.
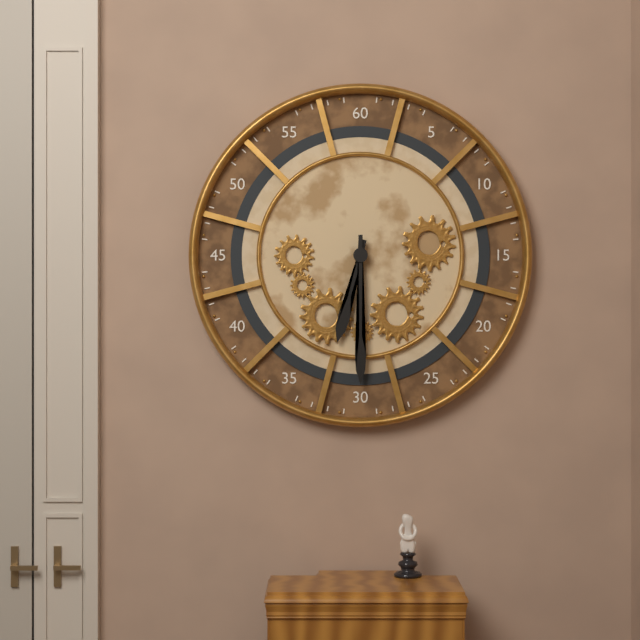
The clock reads 6.30
